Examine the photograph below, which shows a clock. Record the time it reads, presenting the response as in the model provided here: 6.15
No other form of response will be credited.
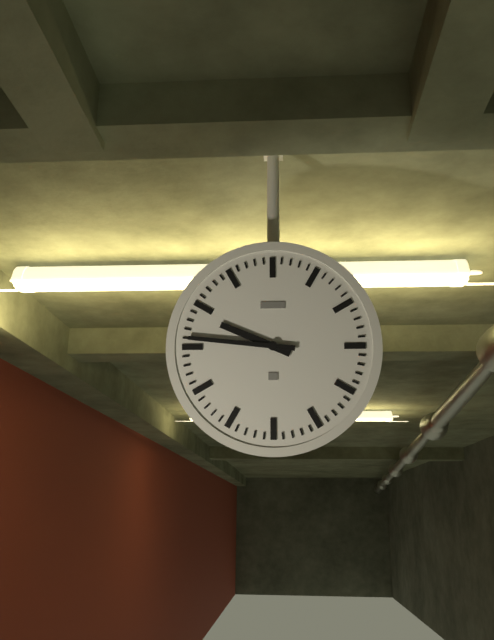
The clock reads 9.46
